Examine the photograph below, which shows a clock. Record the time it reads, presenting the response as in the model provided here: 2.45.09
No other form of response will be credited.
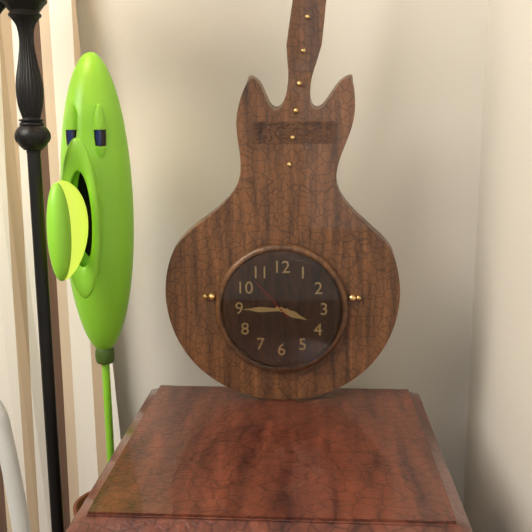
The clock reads 3.45.53
